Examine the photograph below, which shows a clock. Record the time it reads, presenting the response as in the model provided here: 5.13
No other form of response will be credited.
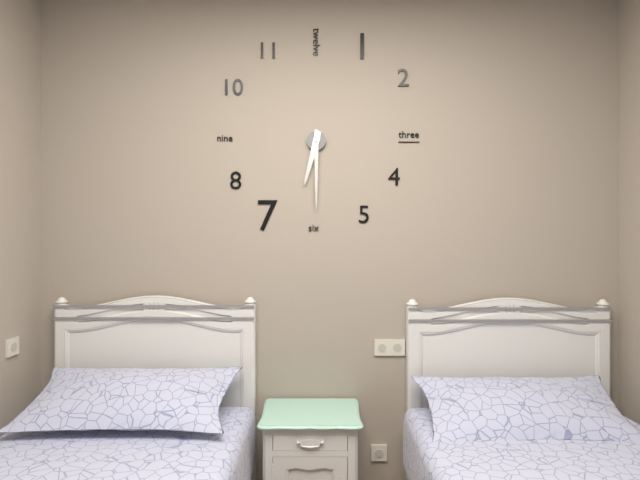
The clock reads 6.30
